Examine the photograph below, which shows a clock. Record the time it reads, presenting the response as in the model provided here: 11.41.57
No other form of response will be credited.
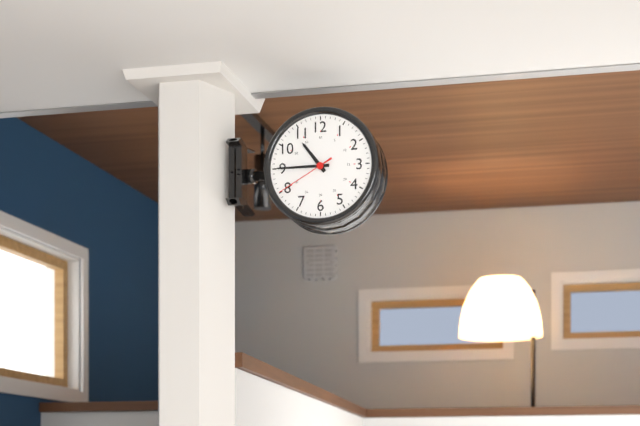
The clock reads 10.45.40
